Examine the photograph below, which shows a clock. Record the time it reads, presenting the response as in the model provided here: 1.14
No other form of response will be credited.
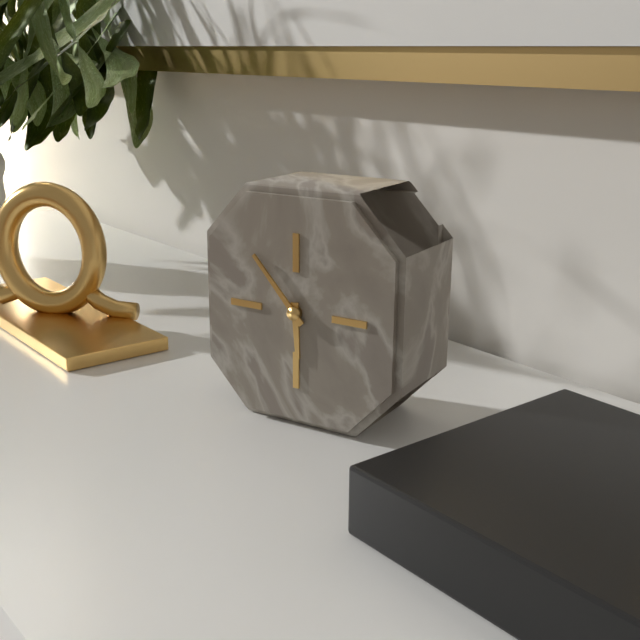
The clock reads 5.53
